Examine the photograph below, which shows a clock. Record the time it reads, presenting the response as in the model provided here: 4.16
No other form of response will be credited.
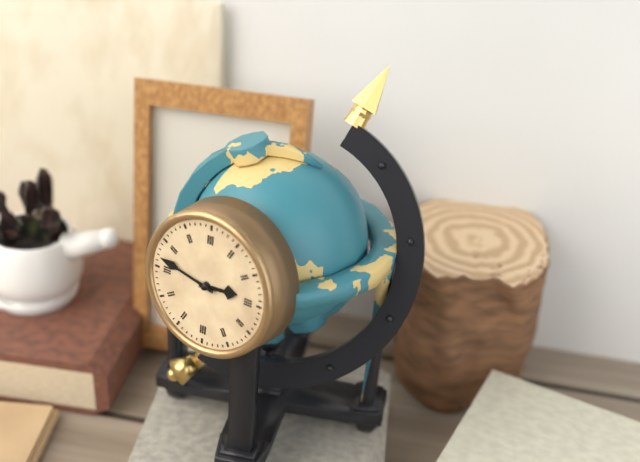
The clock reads 2.47
